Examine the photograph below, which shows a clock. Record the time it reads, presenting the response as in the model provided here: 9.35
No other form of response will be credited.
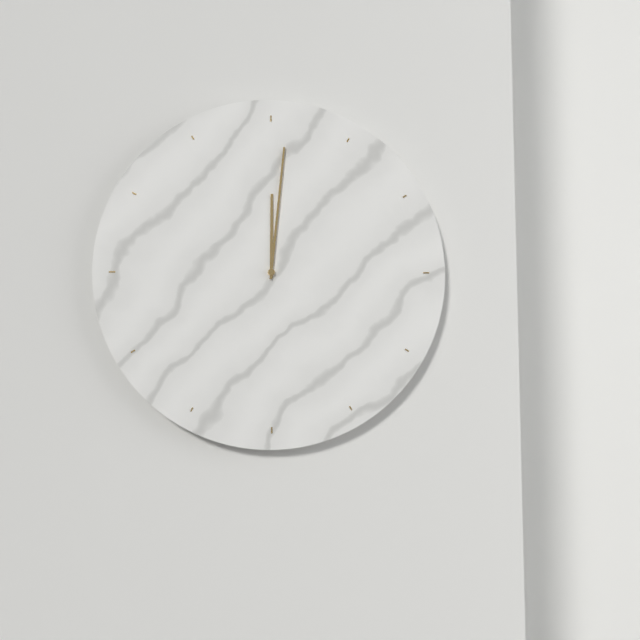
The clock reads 12.01
